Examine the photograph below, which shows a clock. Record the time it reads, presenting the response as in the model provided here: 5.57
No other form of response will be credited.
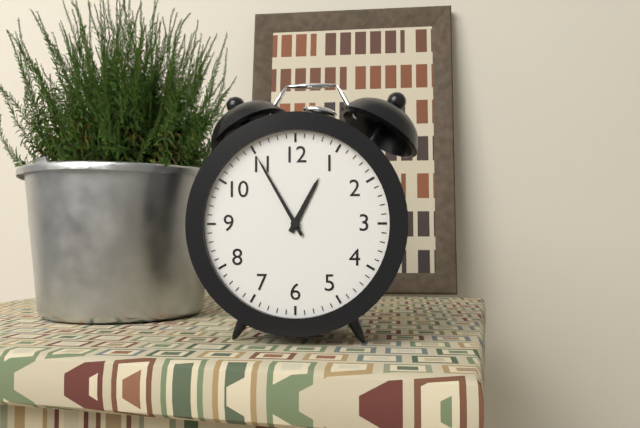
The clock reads 12.55
